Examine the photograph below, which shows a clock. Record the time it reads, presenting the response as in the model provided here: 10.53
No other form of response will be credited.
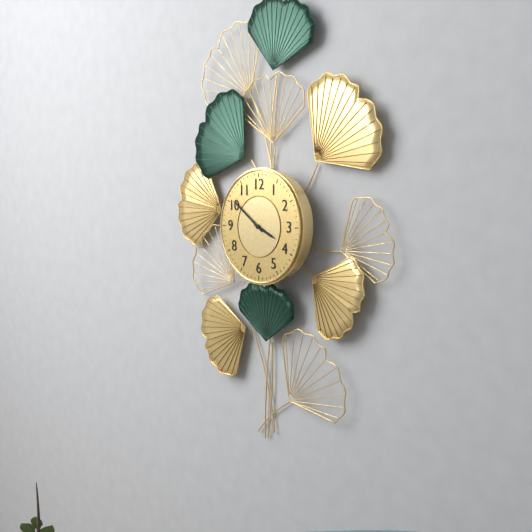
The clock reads 3.51
